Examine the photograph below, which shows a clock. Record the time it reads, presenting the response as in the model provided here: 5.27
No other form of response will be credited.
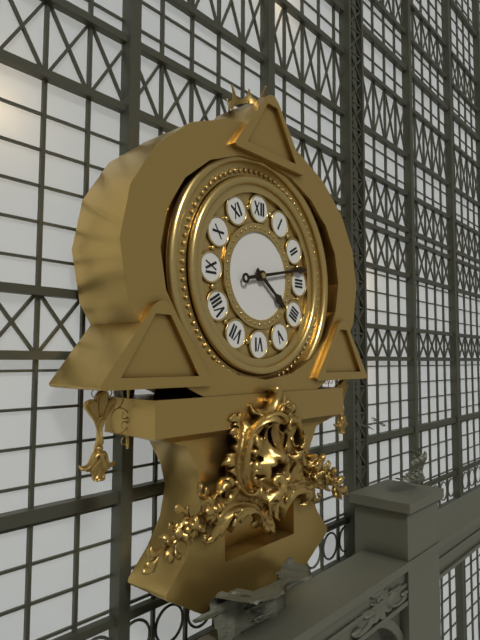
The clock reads 4.13
